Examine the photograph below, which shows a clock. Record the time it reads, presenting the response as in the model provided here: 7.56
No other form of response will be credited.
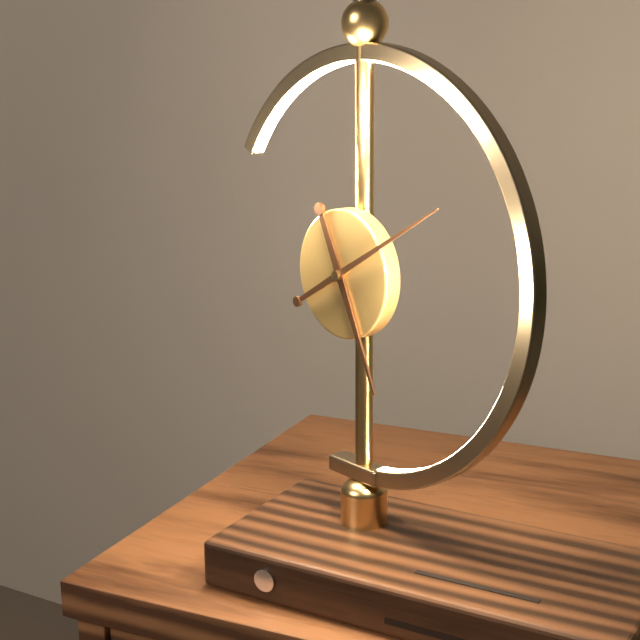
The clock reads 5.10
